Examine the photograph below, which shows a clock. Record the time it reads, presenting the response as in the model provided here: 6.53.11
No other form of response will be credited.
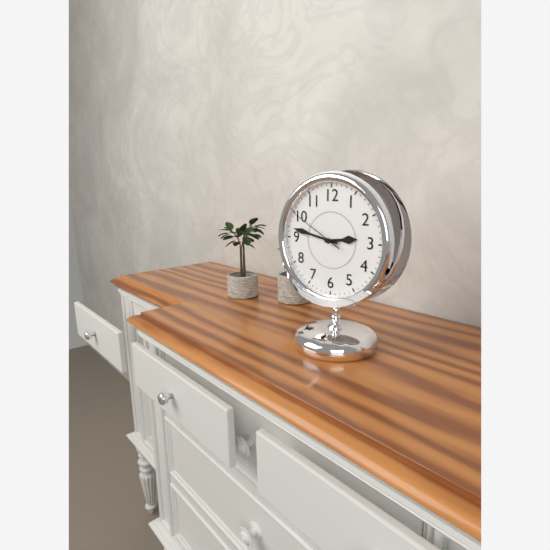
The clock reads 2.47.50
